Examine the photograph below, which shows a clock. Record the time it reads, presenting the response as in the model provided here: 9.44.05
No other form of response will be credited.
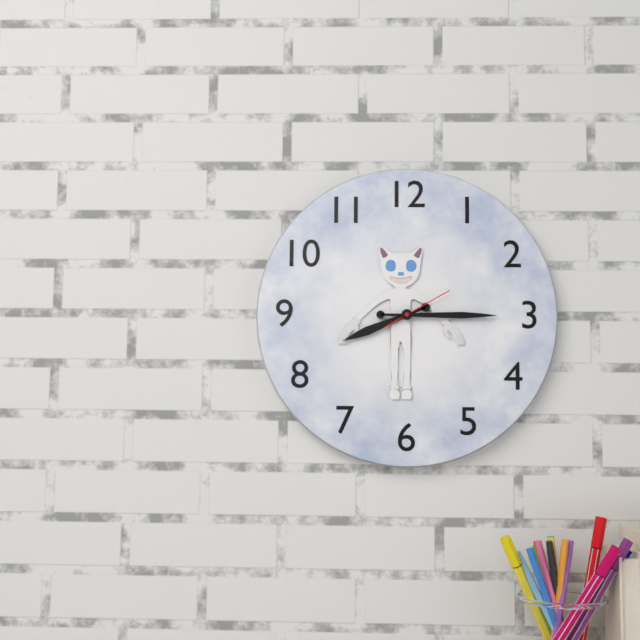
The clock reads 8.15.10
